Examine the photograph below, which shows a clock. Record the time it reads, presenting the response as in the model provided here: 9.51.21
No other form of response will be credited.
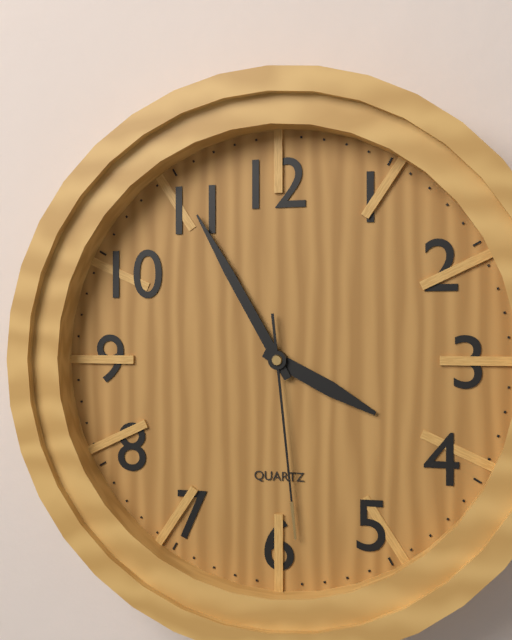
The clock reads 3.55.29
